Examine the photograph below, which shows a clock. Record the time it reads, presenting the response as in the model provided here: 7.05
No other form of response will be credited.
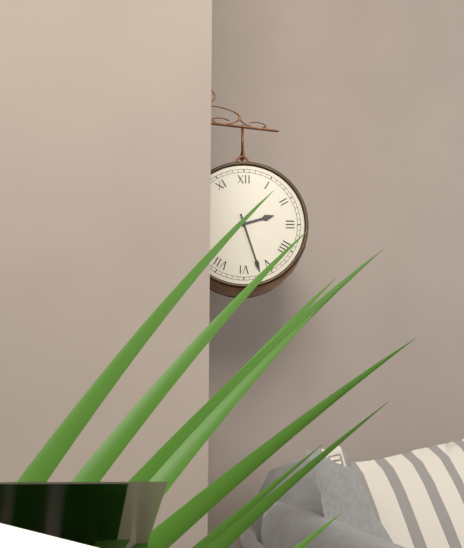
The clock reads 2.27
